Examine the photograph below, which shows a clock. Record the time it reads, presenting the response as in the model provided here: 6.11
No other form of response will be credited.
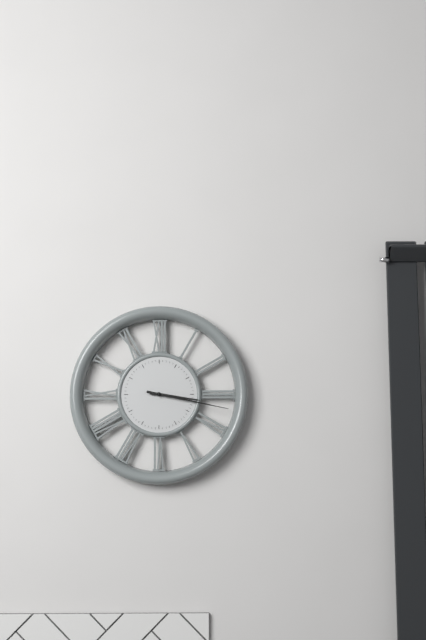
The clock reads 3.17
